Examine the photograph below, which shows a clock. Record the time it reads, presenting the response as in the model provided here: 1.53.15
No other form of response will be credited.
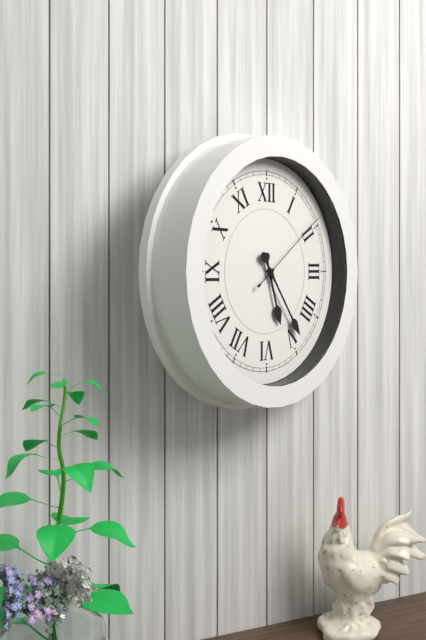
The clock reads 5.24.09
